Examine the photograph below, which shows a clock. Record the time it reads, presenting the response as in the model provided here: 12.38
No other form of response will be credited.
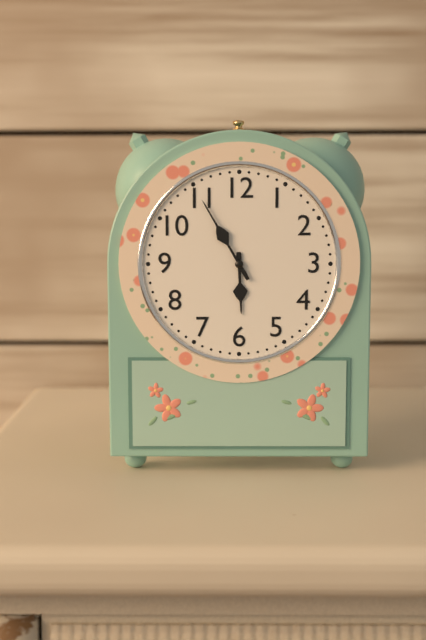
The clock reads 5.55
